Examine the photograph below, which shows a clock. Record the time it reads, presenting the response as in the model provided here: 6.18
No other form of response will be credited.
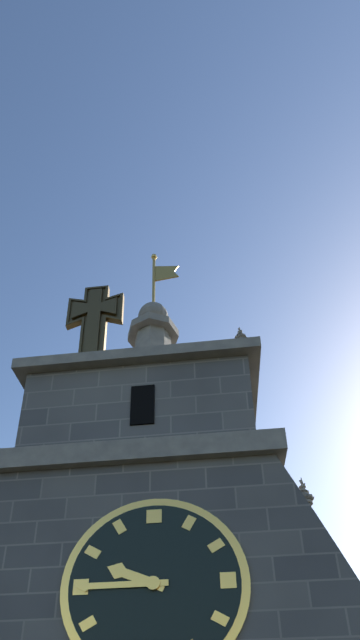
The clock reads 9.45
